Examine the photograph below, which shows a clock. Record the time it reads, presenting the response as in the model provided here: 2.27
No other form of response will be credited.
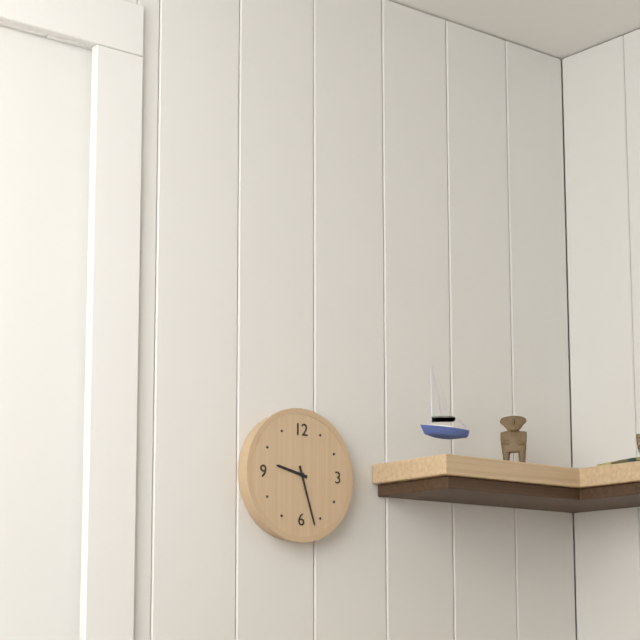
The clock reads 9.27
